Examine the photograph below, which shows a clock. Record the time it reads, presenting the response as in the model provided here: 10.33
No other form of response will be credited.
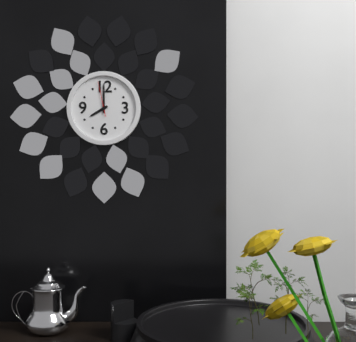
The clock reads 8.00
